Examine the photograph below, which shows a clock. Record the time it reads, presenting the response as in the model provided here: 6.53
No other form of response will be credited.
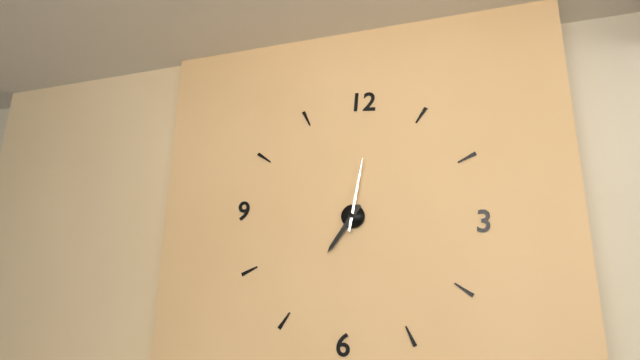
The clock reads 7.01
